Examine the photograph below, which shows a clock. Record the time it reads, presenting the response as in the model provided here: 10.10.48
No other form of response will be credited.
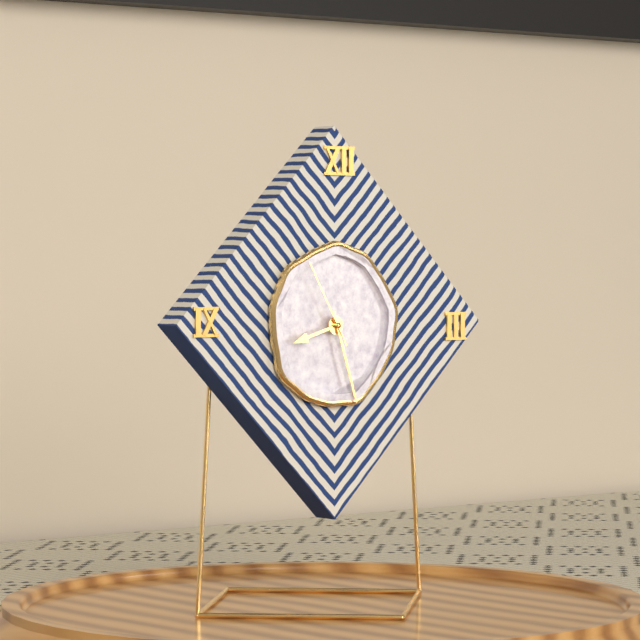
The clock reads 8.27.55
